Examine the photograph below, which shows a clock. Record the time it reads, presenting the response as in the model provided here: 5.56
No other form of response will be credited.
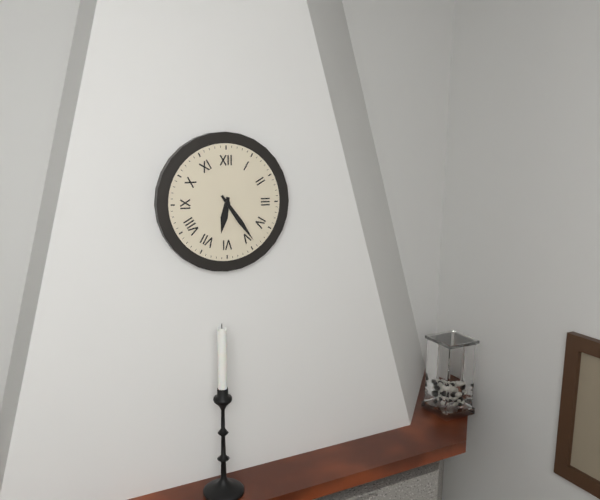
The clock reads 6.24
